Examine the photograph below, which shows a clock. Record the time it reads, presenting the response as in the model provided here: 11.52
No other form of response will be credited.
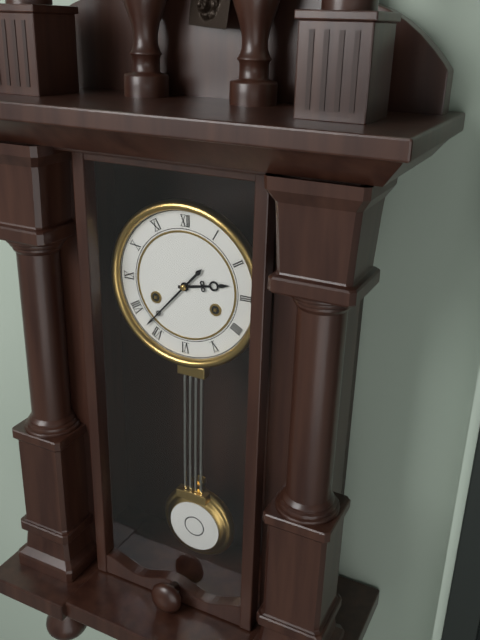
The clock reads 2.37
